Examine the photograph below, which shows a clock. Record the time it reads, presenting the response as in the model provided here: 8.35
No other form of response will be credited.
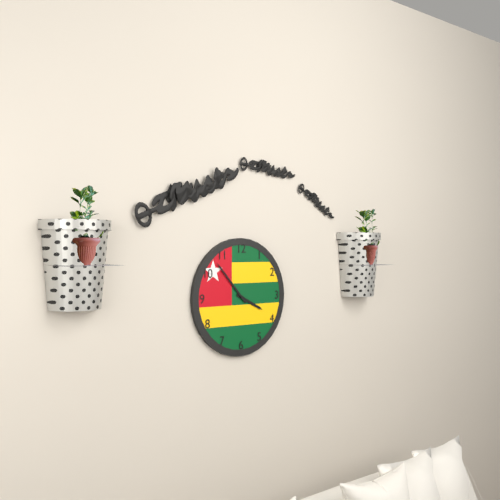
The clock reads 3.53
